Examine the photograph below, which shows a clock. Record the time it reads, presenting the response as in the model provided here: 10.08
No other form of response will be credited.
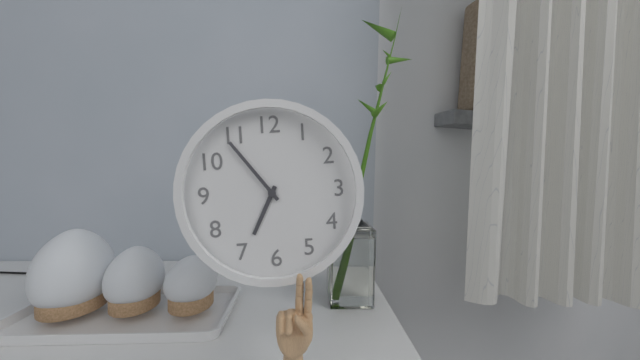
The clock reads 6.54
